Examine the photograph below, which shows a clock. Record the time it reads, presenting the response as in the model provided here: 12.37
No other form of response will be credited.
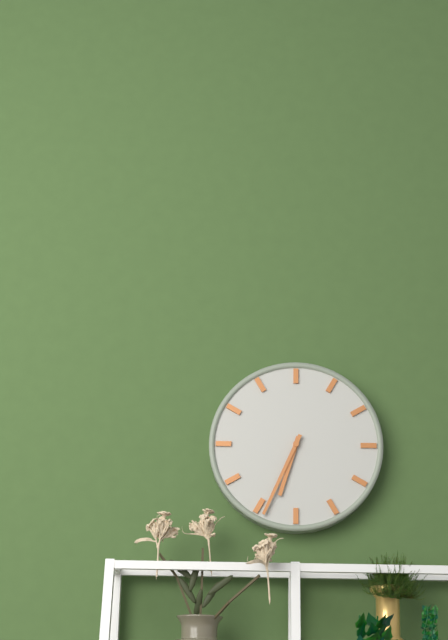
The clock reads 6.34
